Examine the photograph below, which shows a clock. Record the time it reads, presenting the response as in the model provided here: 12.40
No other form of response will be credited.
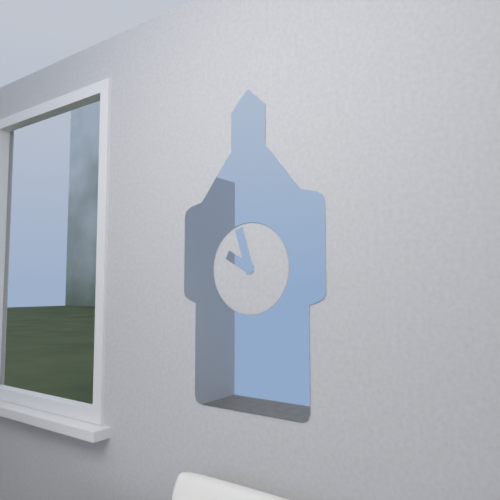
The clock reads 9.57
